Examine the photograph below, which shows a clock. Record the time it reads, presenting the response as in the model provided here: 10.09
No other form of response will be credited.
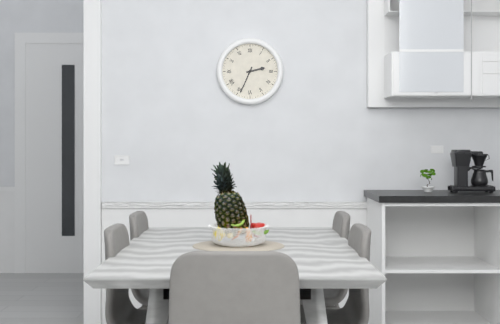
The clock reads 2.34
